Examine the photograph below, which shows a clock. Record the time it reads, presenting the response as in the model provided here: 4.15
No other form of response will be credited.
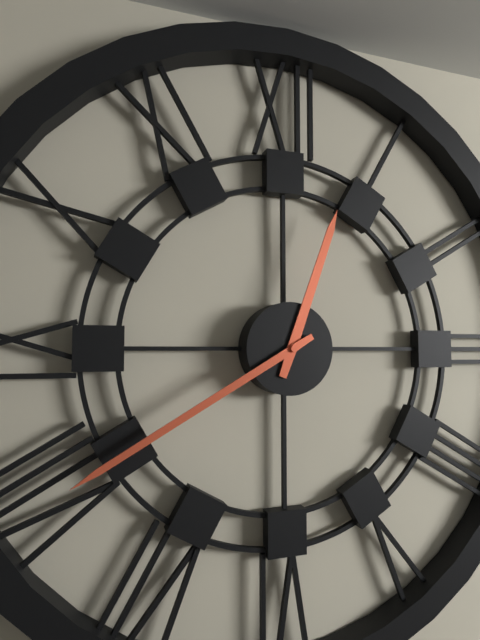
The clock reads 12.40
